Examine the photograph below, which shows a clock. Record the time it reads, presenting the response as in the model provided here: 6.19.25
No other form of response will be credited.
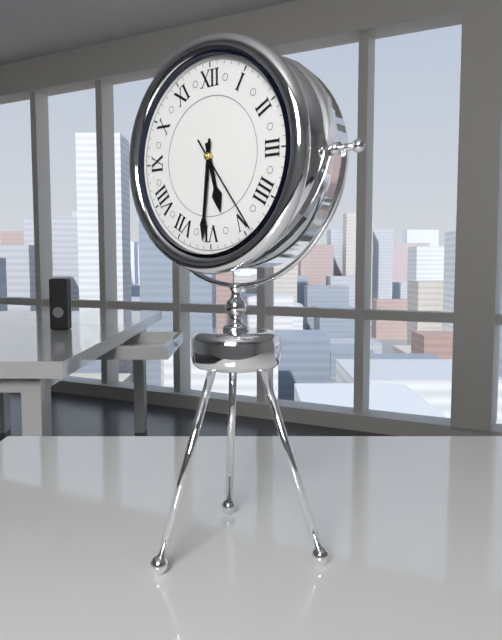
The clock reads 5.31.24
